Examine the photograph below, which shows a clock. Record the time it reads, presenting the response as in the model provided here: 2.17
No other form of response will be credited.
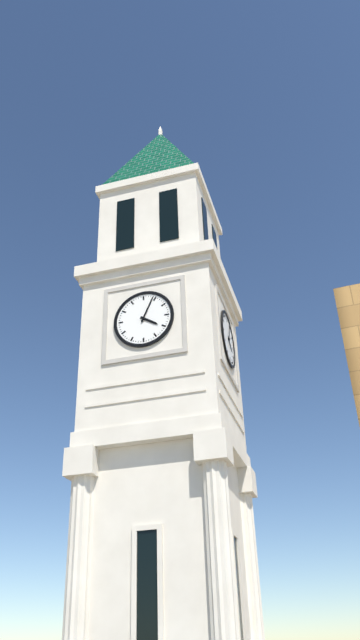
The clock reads 4.04
